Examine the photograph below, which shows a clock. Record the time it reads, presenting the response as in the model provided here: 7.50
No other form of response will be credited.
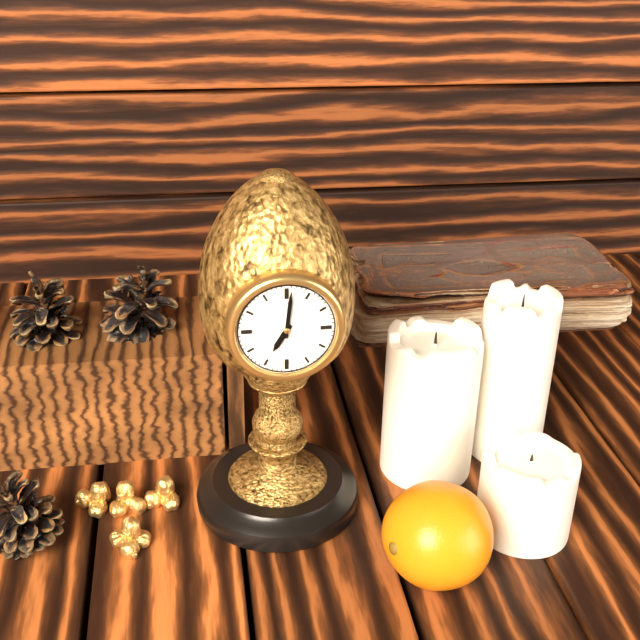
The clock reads 7.01
